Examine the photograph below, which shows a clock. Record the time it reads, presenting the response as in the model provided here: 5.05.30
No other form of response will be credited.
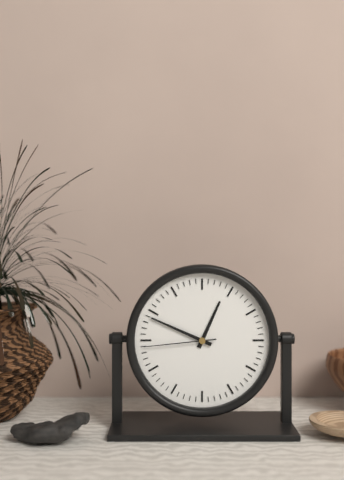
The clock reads 12.49.44
